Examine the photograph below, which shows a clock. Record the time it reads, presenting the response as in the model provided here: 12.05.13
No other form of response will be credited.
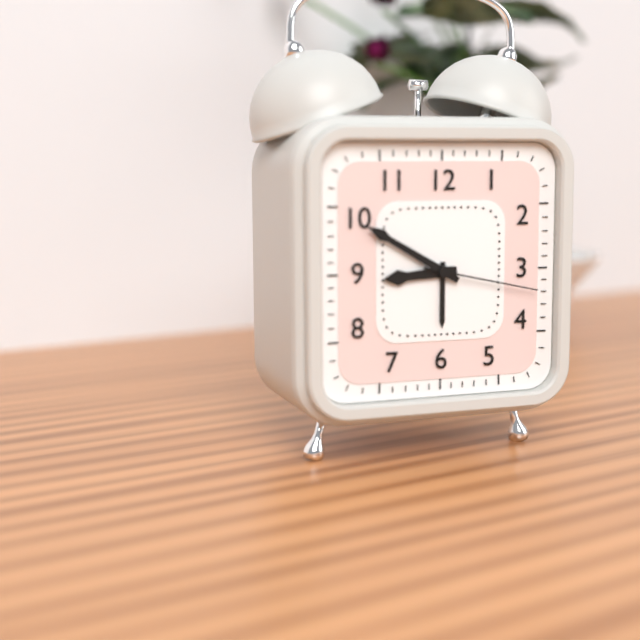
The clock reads 8.50.17
